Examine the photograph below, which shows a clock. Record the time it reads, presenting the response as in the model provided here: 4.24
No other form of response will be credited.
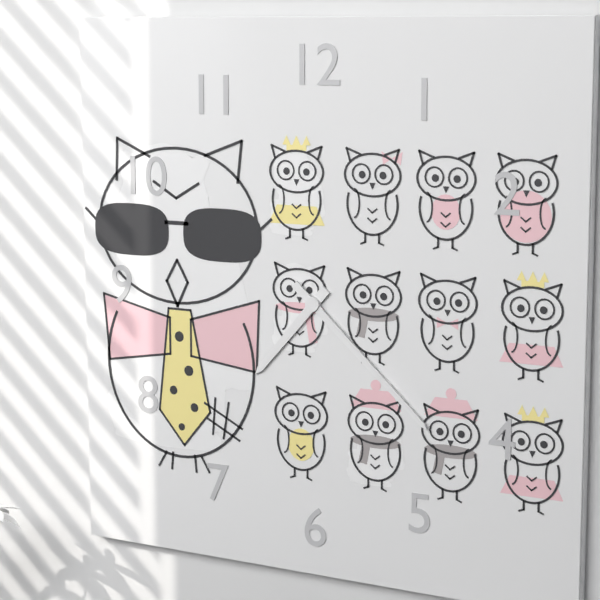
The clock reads 7.22
